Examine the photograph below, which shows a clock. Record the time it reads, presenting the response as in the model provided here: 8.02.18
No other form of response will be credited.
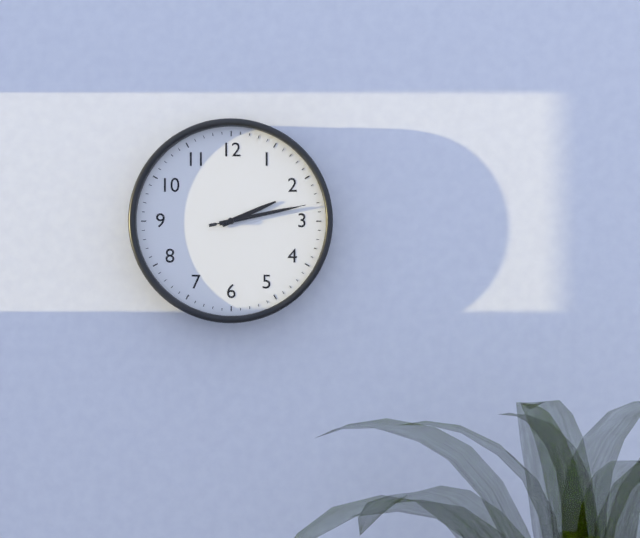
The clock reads 2.13.13
